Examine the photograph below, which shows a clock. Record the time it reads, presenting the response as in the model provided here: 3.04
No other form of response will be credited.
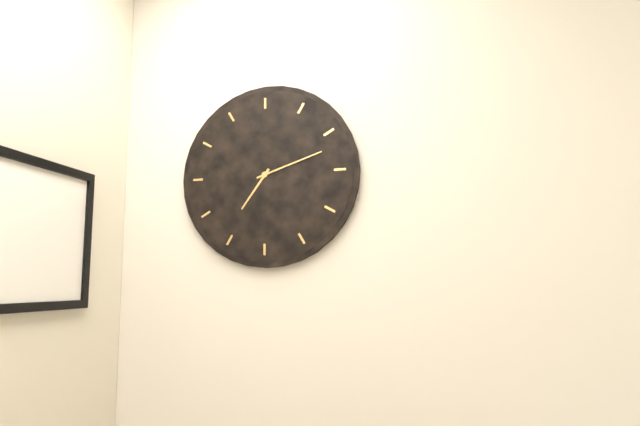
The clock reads 7.12
